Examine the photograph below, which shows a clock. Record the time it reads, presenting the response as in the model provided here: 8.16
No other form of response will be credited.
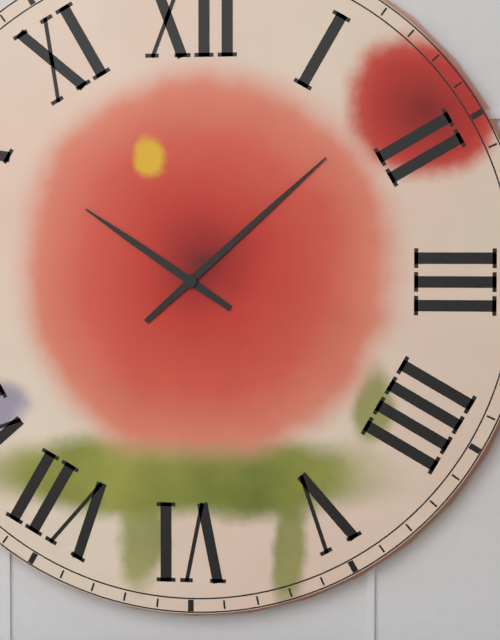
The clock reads 10.08
